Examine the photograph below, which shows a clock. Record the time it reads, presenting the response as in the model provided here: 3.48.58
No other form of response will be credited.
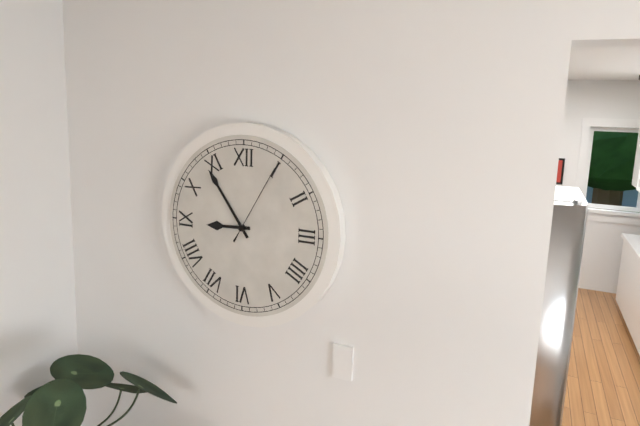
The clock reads 8.54.05
